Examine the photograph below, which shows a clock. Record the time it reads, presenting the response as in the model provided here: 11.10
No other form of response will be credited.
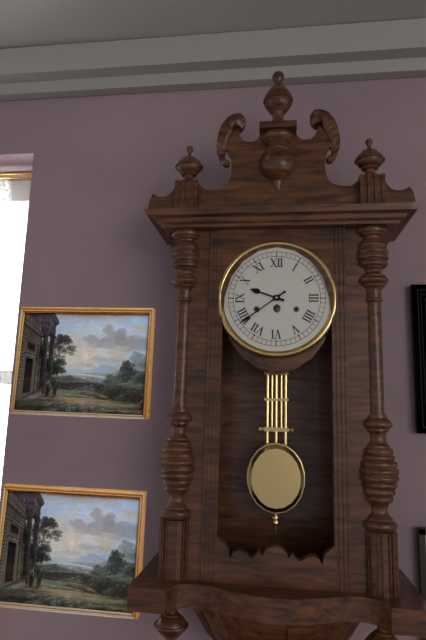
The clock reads 9.39
